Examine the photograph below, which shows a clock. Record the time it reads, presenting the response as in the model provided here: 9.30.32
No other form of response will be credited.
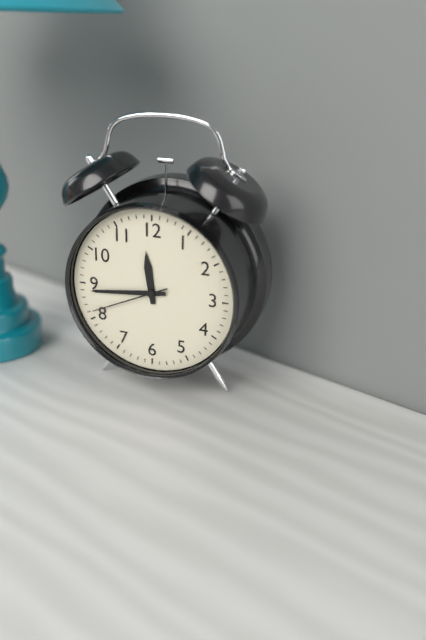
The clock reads 11.44.41
